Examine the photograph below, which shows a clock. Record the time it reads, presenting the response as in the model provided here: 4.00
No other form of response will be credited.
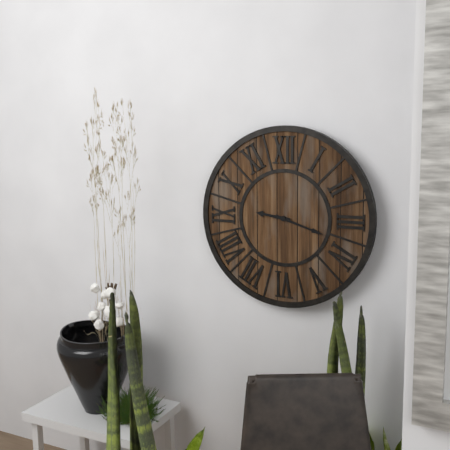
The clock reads 9.18
